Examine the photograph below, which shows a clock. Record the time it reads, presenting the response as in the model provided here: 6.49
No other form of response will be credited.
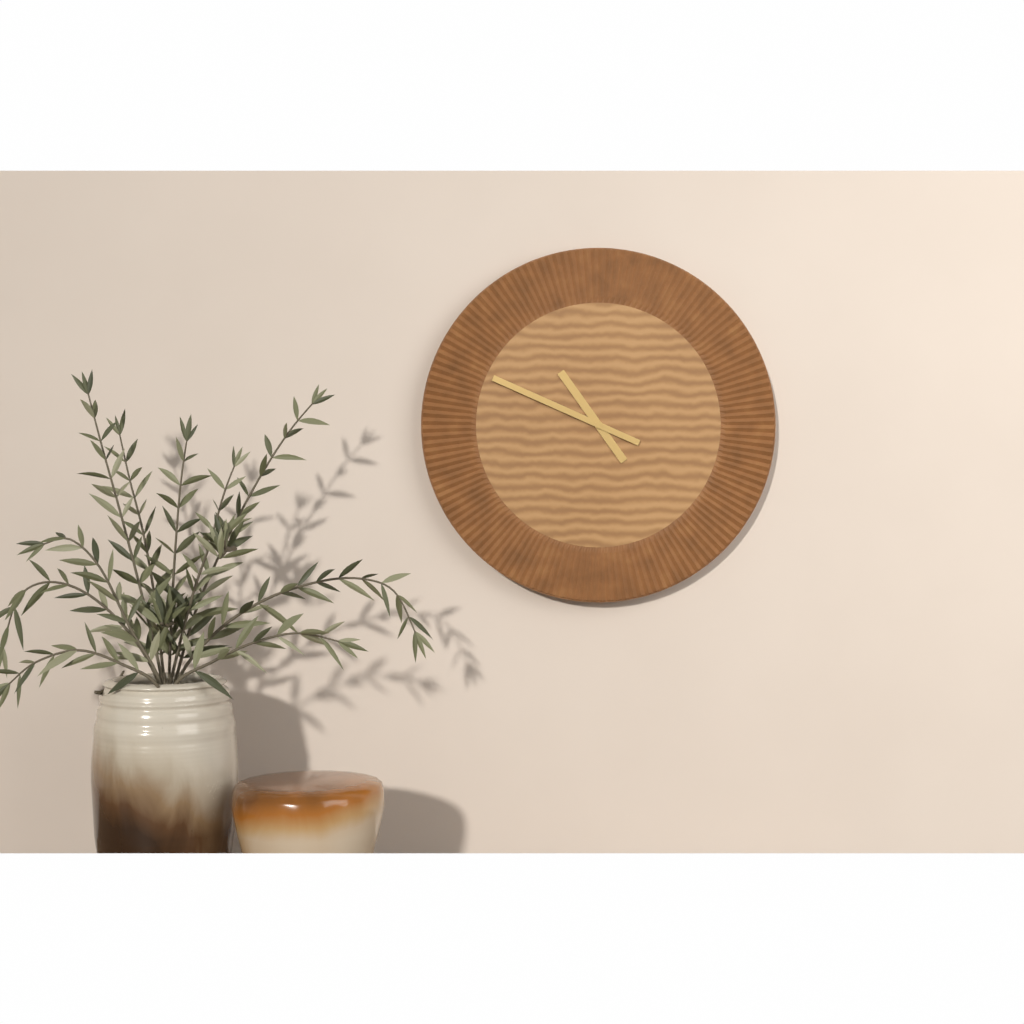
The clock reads 10.49
